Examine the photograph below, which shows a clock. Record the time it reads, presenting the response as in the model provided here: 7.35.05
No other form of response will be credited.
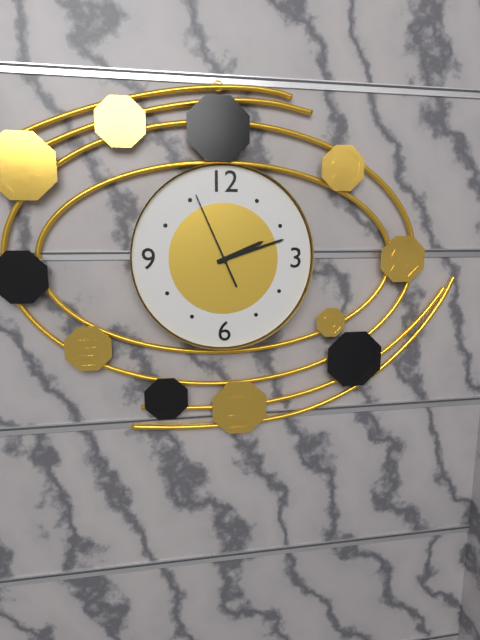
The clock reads 2.12.56
